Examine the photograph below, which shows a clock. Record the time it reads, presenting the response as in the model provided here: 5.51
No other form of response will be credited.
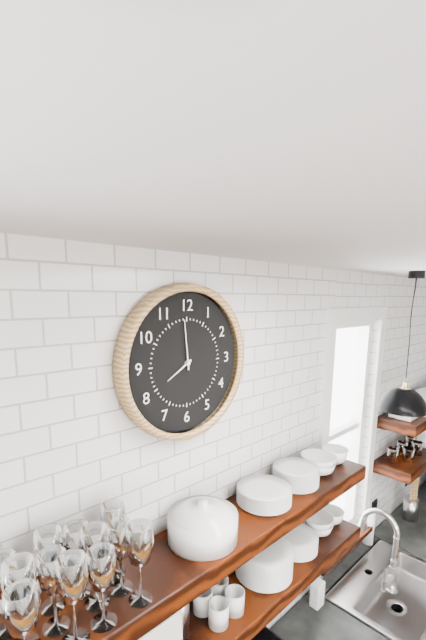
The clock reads 7.59
